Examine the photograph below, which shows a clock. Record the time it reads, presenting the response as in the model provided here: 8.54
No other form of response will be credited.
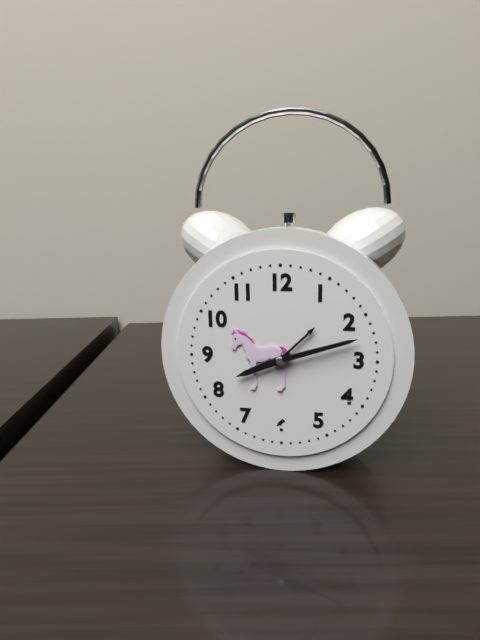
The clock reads 8.12
